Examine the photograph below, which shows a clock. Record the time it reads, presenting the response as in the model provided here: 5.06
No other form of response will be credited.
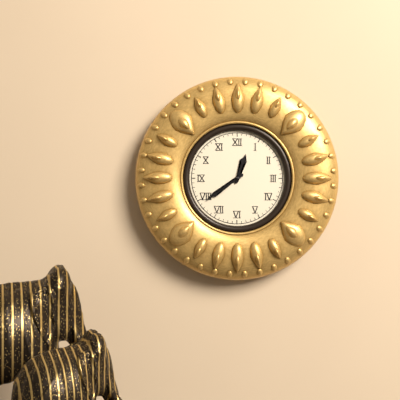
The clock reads 12.39
